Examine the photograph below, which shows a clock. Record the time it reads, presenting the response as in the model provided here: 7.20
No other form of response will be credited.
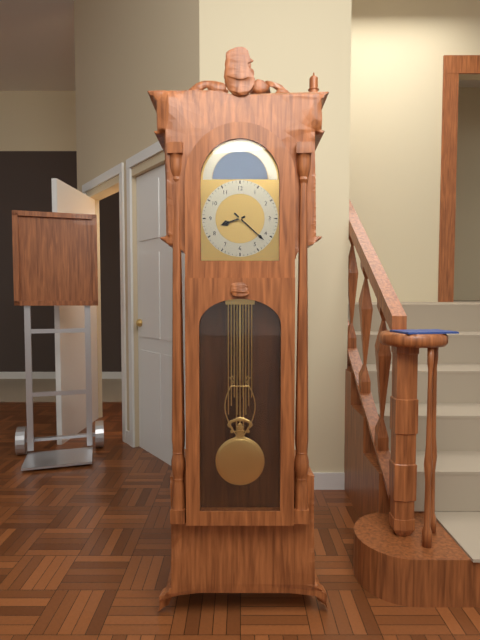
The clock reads 8.22
